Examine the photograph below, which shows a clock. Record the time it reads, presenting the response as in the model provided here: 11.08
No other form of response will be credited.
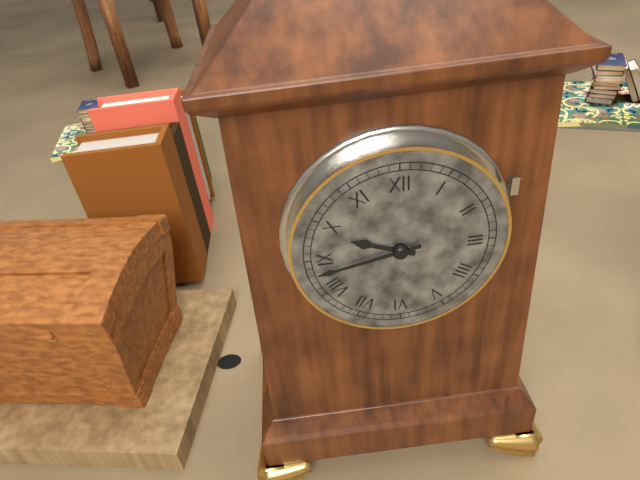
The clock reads 9.43
